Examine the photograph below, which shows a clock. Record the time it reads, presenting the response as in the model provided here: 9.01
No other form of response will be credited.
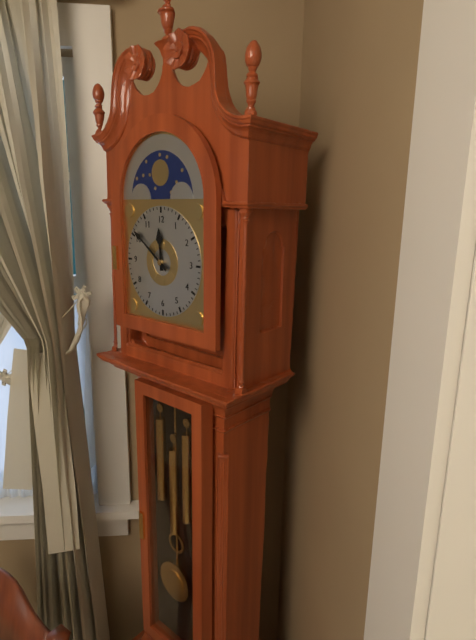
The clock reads 11.51
